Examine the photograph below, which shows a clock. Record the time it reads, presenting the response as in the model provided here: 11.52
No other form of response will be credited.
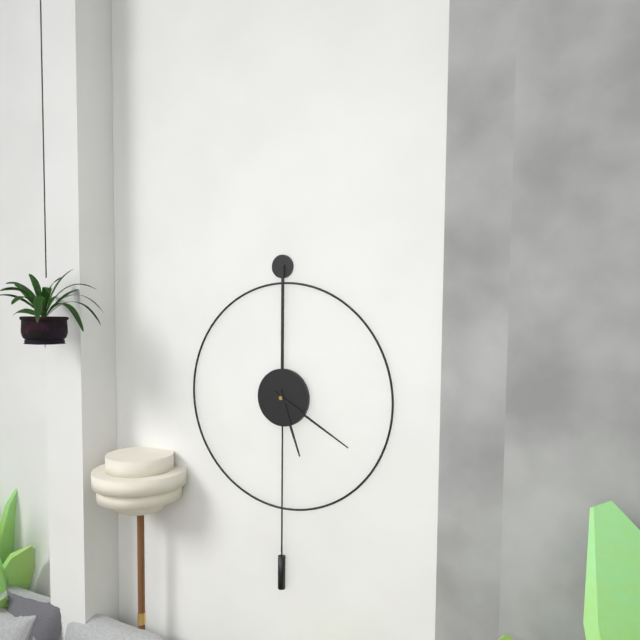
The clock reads 5.20
